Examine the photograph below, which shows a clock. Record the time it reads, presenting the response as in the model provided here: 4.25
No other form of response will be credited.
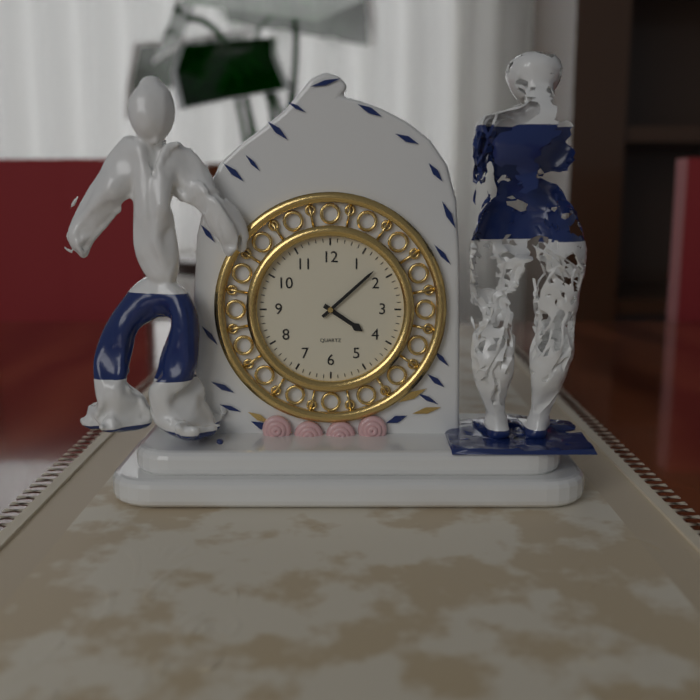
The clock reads 4.08
